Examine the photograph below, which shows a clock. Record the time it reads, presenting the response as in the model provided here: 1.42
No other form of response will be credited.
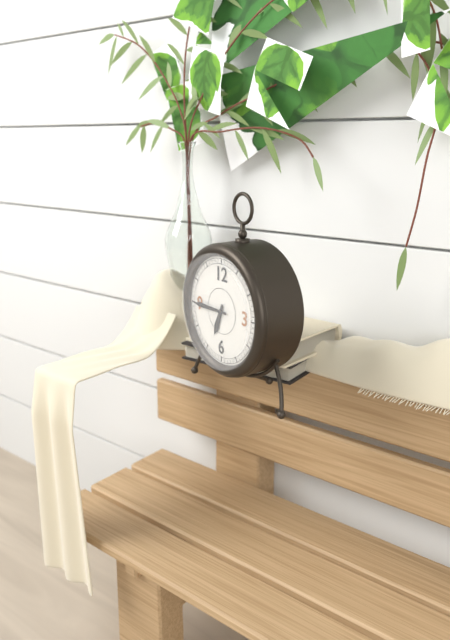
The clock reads 6.45
